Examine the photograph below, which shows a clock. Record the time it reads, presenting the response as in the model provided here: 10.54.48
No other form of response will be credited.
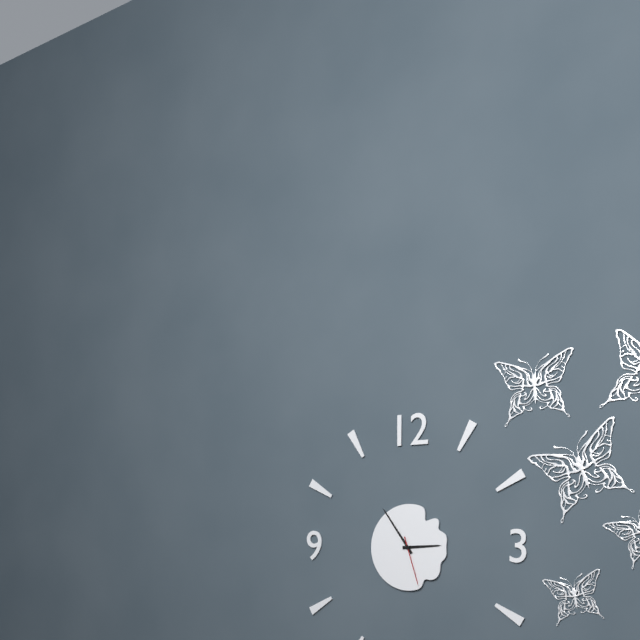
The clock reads 2.54.27
